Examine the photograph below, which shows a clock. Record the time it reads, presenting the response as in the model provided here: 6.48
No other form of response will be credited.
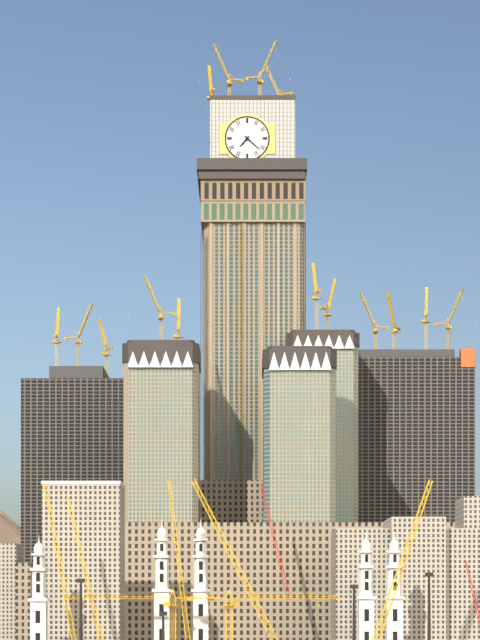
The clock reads 7.22
